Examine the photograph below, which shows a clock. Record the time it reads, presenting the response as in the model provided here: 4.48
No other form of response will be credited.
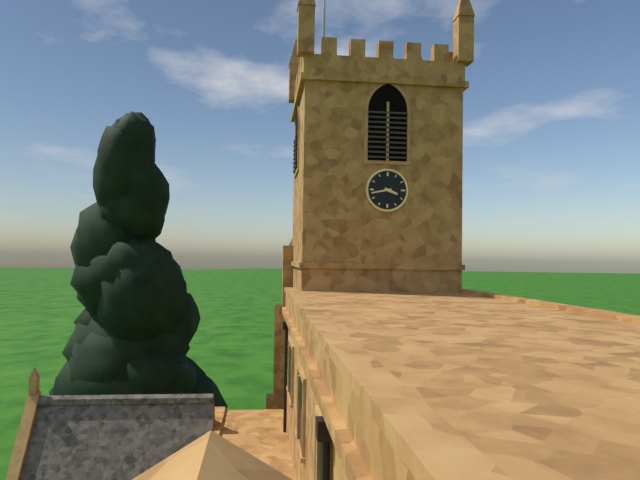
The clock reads 3.43
